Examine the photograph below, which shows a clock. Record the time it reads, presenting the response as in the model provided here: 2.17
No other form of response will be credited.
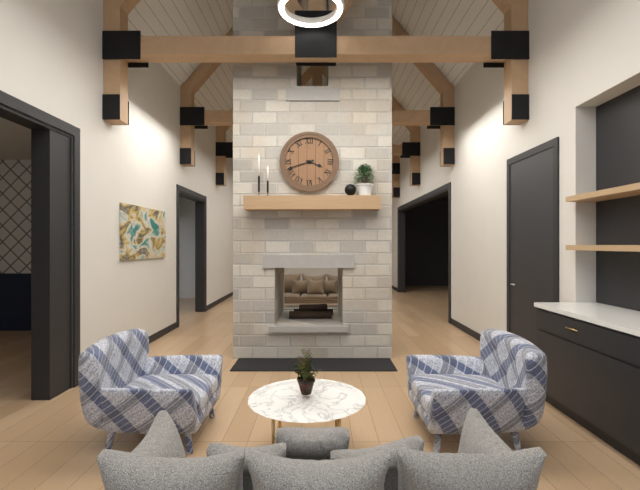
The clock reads 3.42
